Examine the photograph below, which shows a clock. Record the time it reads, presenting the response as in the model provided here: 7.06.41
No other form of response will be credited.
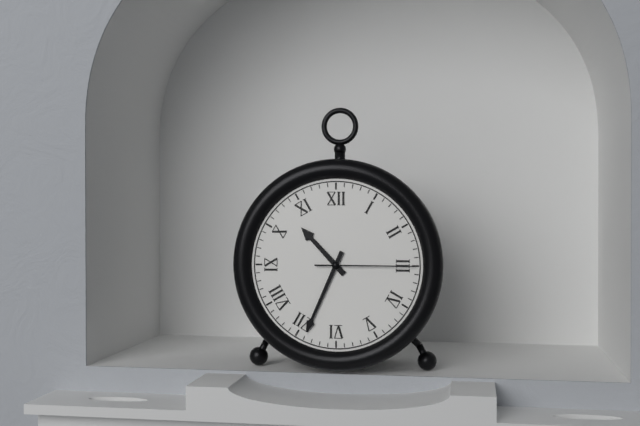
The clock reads 10.34.15
